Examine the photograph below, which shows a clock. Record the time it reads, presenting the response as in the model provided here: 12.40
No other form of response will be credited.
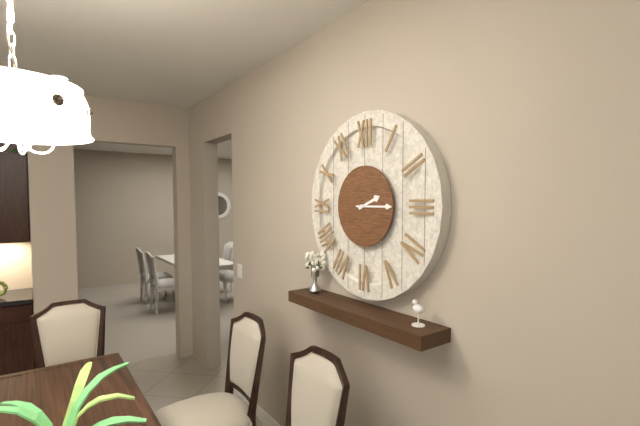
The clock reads 2.15
